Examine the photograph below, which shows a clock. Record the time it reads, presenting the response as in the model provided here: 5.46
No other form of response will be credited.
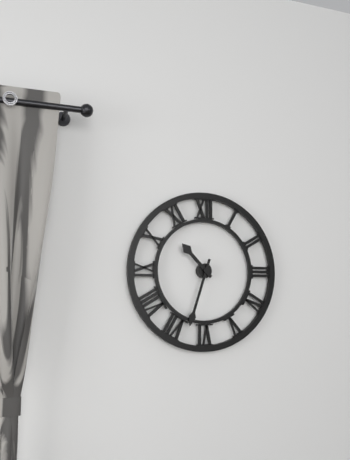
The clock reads 10.33
